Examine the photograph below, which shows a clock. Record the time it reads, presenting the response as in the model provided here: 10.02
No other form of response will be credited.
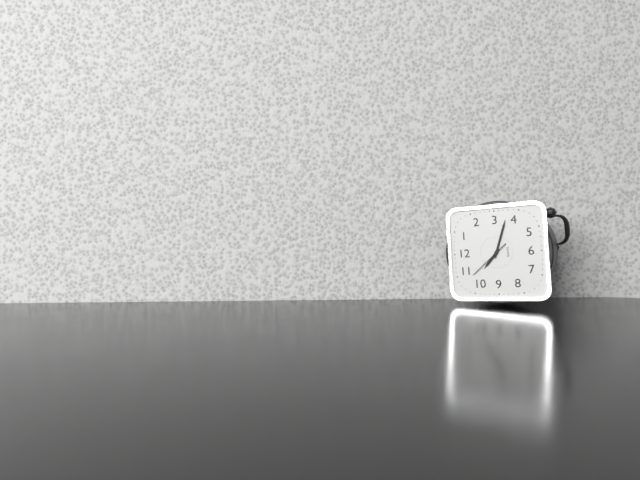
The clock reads 10.18
